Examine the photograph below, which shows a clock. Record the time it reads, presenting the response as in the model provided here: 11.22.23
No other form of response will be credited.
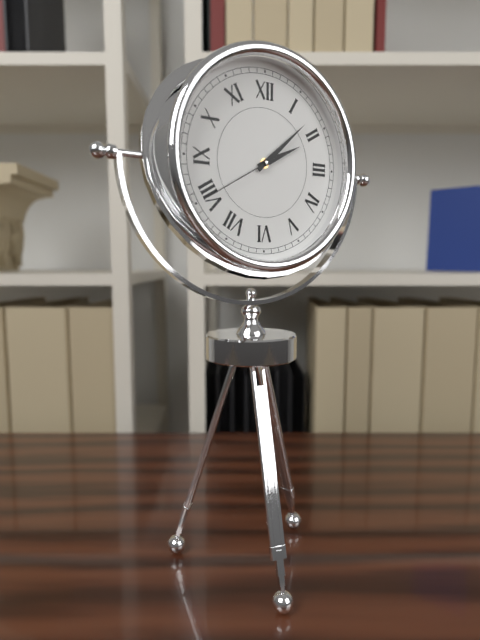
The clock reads 2.08.40
